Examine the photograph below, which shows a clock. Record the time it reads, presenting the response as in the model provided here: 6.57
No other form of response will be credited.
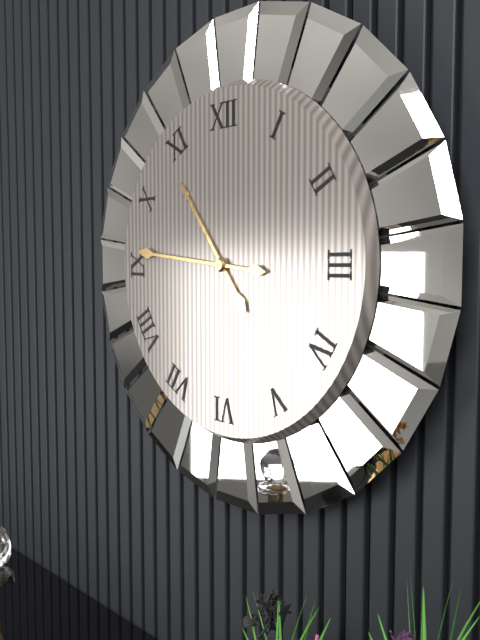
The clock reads 10.46
